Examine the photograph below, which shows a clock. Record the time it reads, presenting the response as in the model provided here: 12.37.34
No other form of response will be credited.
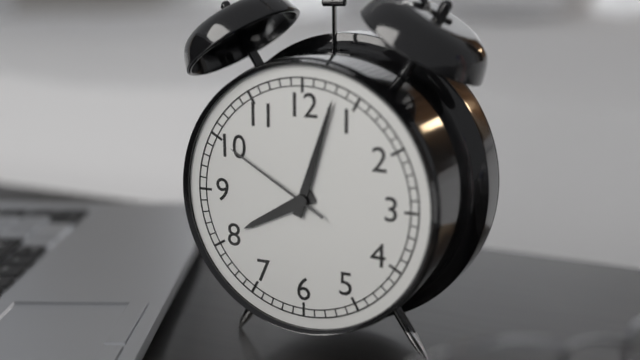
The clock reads 8.03.50
